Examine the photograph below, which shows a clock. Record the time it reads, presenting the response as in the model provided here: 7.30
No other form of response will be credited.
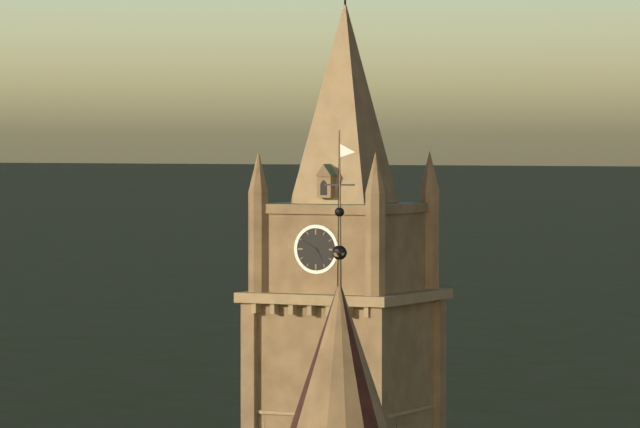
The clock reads 4.50
